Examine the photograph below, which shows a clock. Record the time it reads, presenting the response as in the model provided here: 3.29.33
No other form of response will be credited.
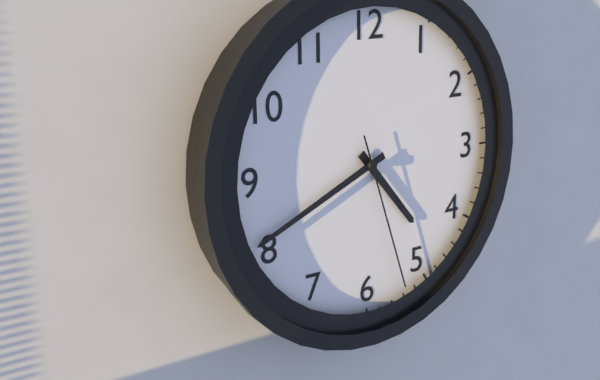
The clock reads 4.41.27
